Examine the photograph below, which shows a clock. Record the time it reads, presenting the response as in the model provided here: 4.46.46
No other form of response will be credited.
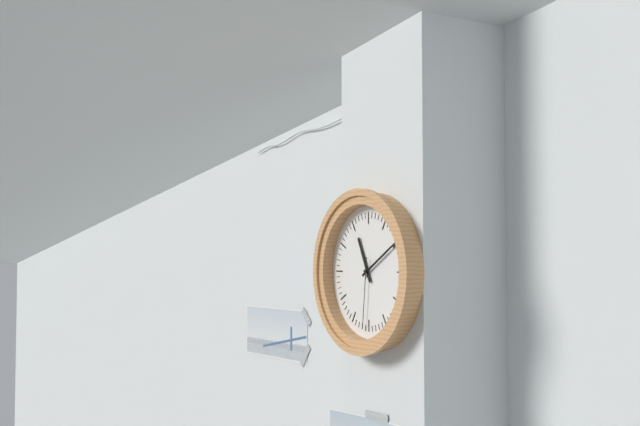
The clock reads 11.10.31
